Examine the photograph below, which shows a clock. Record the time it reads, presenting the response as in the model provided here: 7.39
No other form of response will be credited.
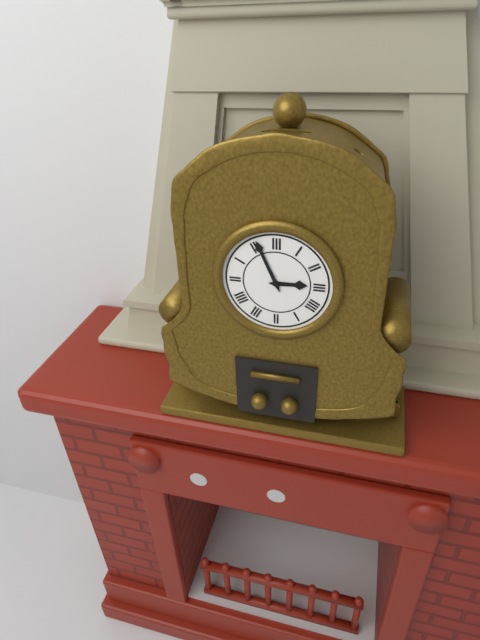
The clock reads 2.56
